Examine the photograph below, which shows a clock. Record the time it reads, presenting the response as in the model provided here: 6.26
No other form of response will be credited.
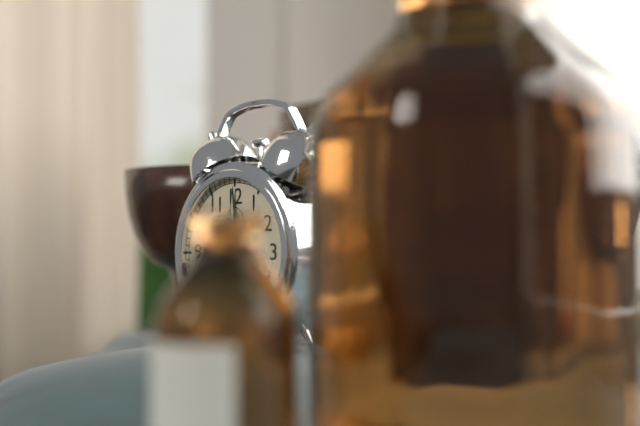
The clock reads 8.00
